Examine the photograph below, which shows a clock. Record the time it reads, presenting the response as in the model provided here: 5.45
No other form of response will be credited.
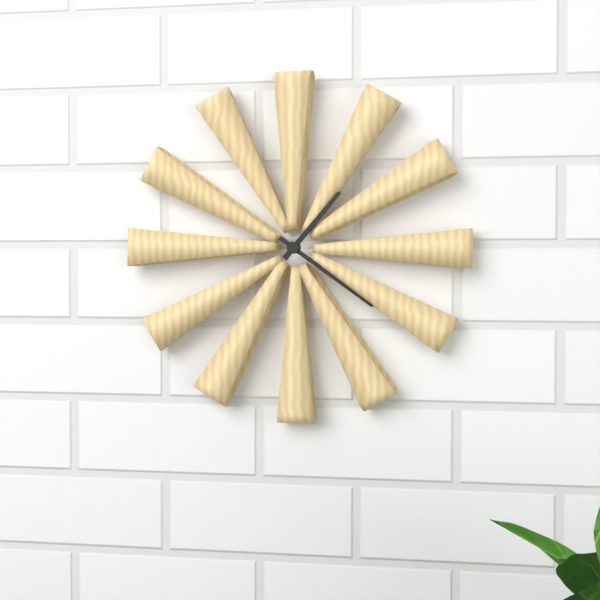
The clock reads 1.21
